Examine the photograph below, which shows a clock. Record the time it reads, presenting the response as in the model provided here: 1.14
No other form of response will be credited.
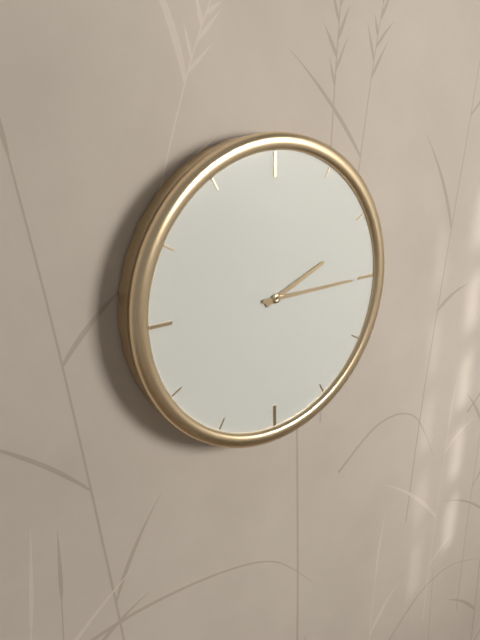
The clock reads 2.15
